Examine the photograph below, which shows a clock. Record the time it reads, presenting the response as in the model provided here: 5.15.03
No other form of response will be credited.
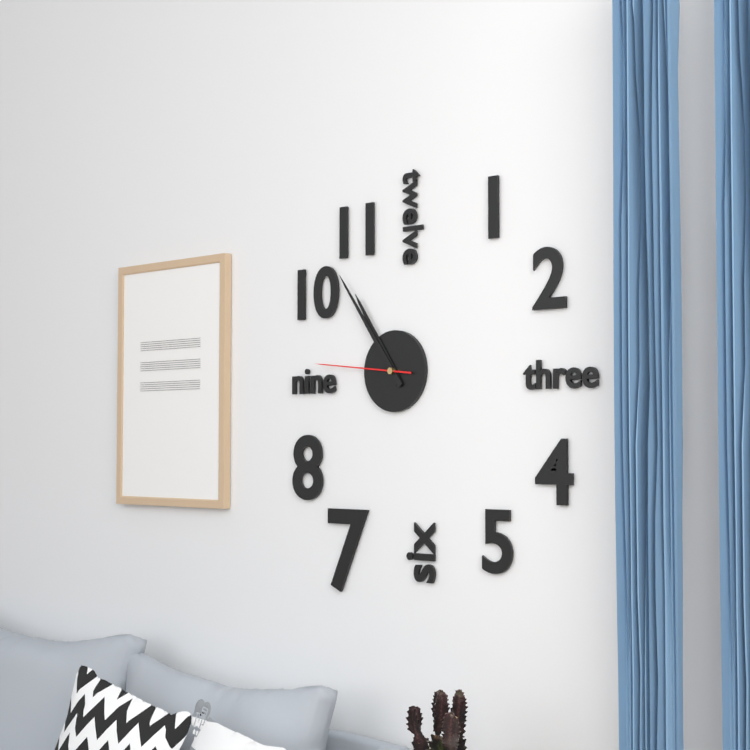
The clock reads 10.54.46
